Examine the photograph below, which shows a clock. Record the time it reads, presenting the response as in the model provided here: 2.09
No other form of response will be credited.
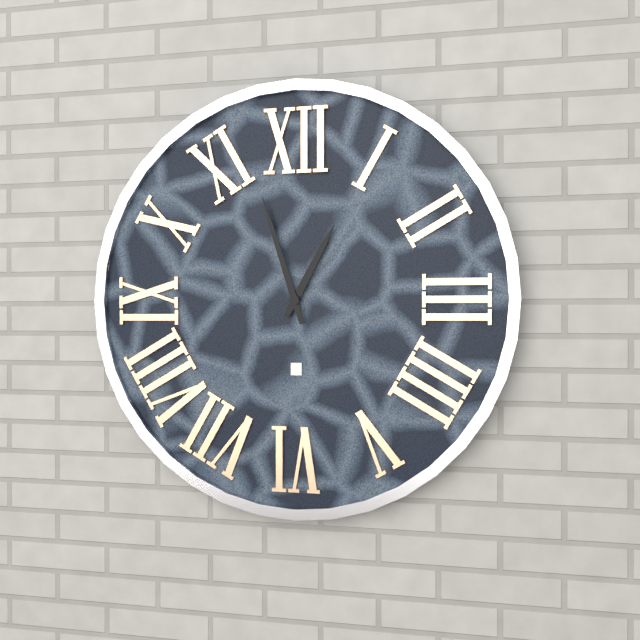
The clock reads 12.57
